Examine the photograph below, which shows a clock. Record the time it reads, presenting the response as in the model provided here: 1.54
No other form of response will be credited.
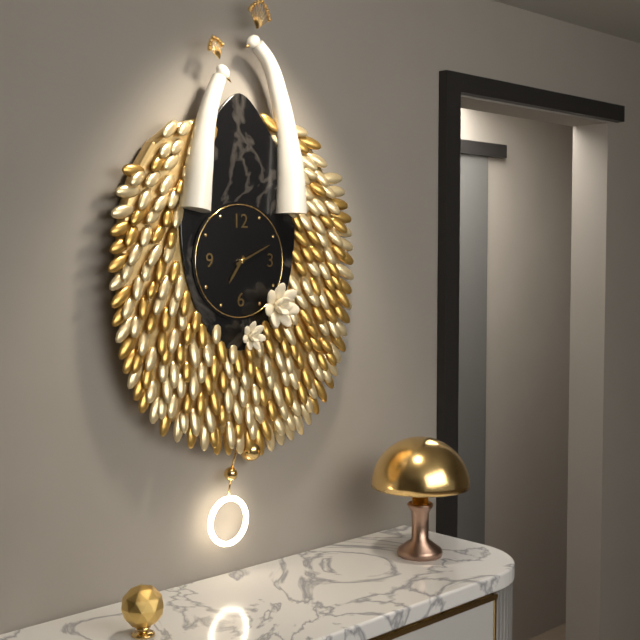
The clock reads 7.11
